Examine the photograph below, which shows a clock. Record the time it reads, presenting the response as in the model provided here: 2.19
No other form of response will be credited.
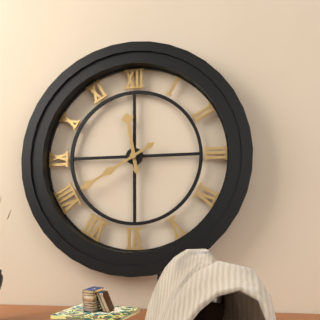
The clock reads 11.40
